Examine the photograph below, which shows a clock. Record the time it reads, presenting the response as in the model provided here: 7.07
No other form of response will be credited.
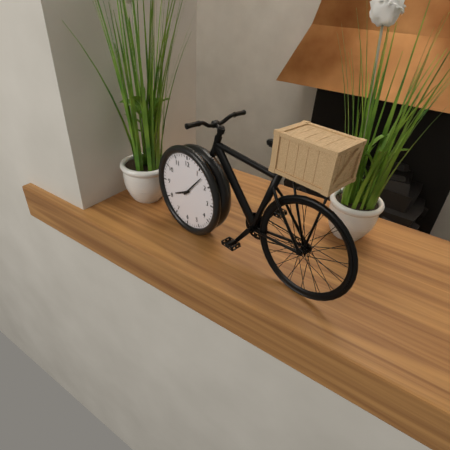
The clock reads 8.07
